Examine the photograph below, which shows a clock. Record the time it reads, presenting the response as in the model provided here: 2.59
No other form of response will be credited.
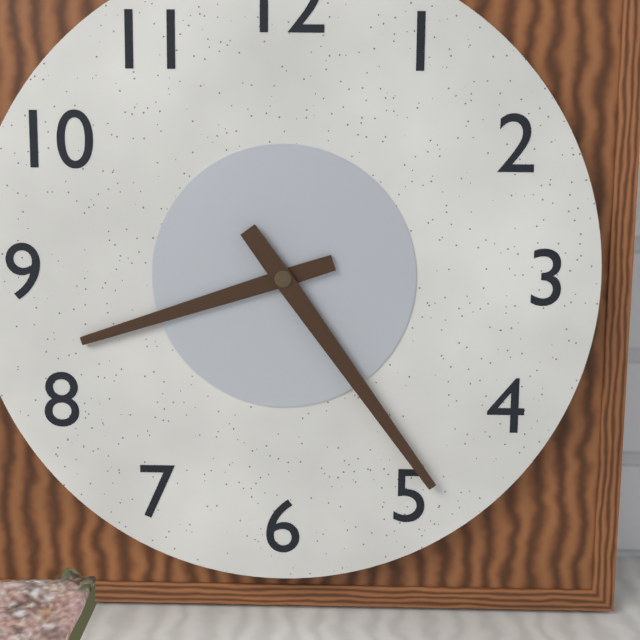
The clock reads 8.24
